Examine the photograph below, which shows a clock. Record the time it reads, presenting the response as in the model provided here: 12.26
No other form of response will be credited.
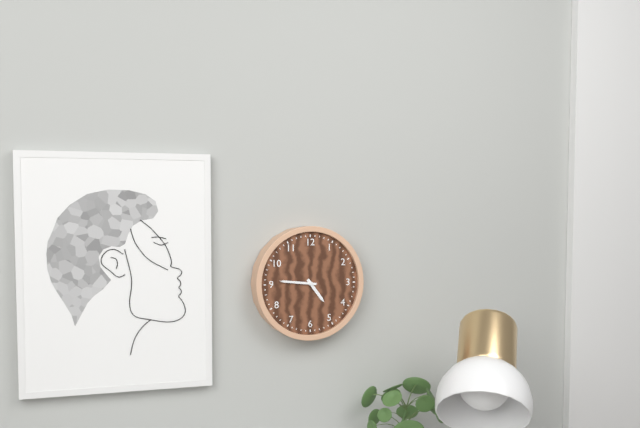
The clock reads 4.46
